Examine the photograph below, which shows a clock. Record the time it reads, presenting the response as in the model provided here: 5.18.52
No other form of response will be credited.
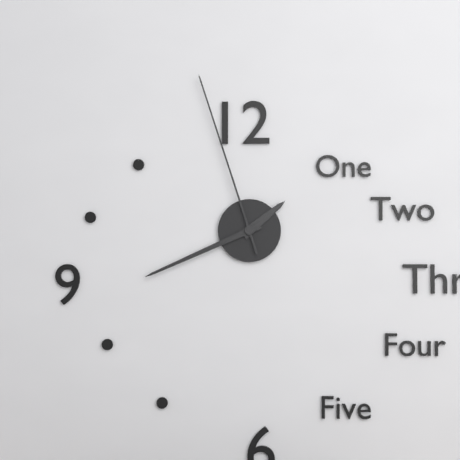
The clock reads 1.41.57
